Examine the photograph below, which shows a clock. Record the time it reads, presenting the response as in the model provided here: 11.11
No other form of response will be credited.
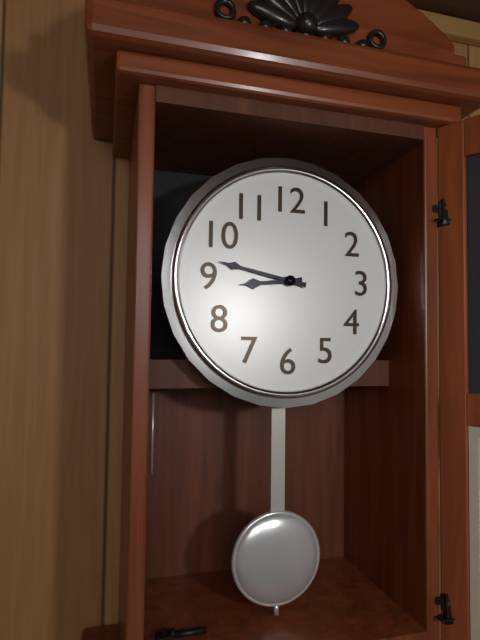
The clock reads 8.47
